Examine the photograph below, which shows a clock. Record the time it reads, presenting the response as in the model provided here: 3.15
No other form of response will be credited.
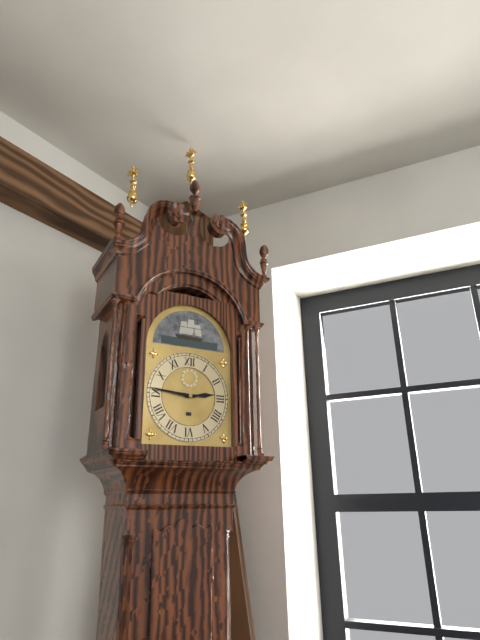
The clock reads 2.46
